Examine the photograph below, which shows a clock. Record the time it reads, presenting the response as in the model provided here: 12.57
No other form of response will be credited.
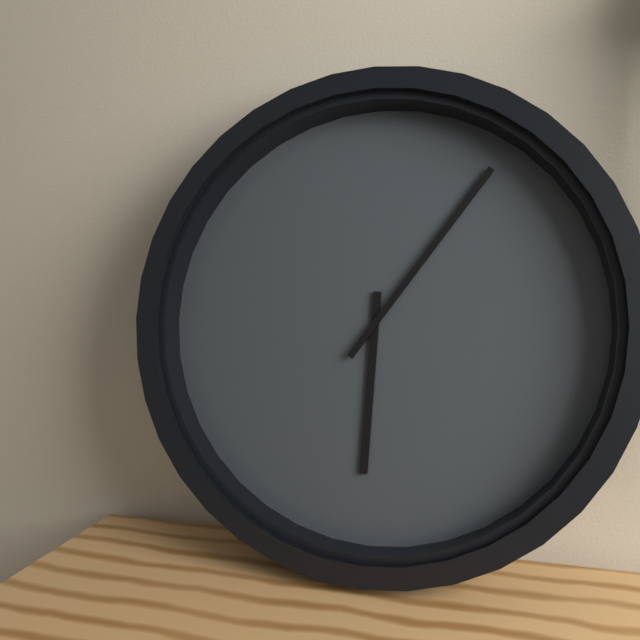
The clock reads 6.06
